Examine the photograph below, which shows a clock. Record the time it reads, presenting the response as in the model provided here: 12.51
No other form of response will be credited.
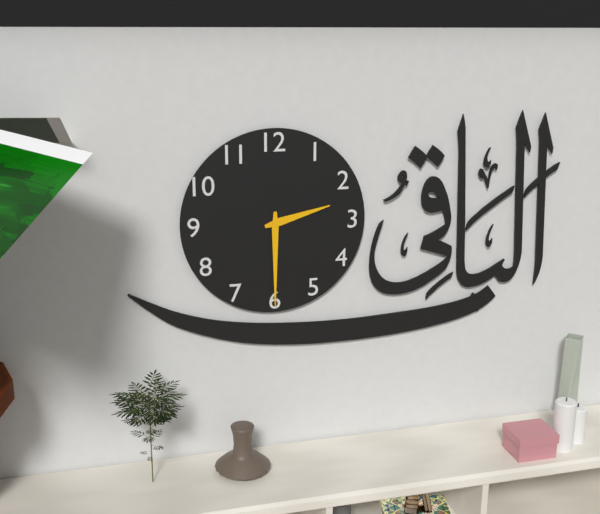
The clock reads 2.30
